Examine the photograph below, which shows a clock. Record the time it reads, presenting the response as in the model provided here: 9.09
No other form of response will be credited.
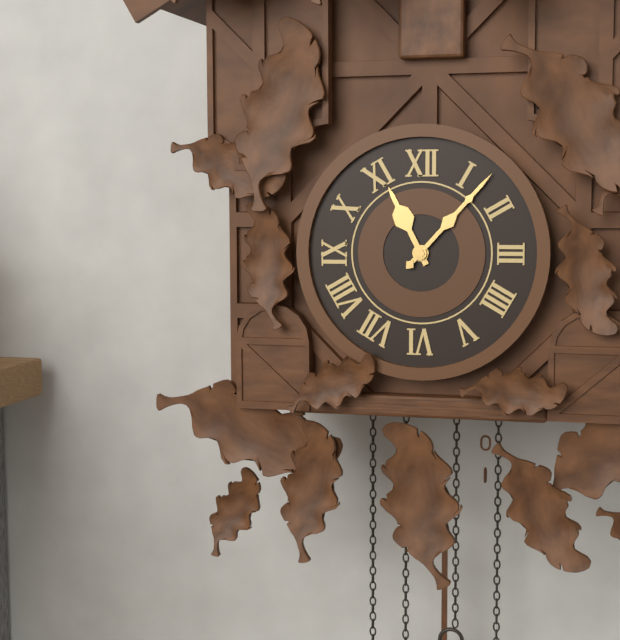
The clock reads 11.07
